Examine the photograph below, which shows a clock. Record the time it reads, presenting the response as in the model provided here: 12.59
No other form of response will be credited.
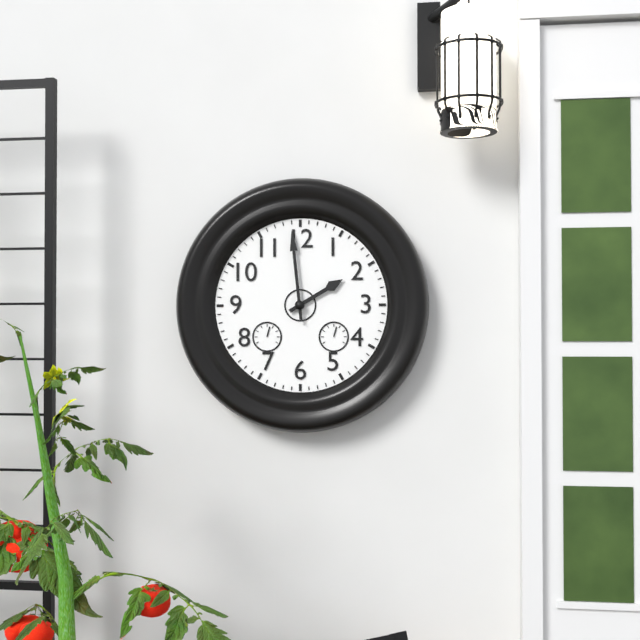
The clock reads 1.59
